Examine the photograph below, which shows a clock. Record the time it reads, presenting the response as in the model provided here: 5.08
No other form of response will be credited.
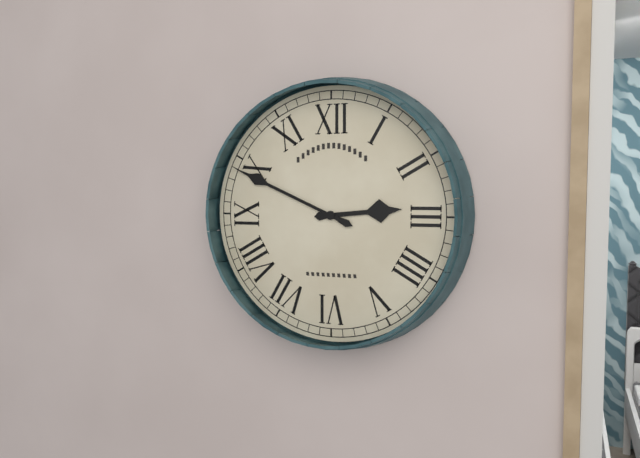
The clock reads 2.49
